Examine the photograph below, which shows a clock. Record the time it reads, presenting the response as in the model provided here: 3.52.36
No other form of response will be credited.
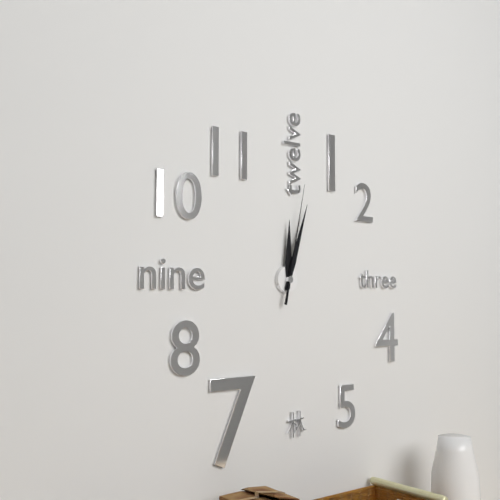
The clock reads 12.03.02
